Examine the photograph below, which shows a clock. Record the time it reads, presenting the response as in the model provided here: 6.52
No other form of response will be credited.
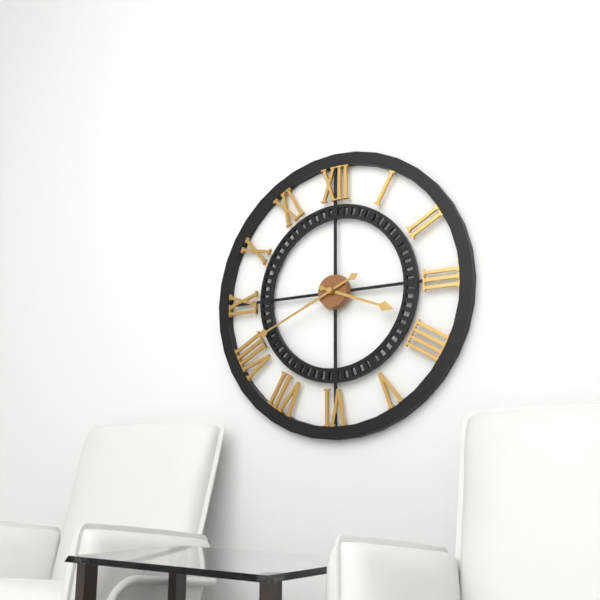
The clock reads 3.41
